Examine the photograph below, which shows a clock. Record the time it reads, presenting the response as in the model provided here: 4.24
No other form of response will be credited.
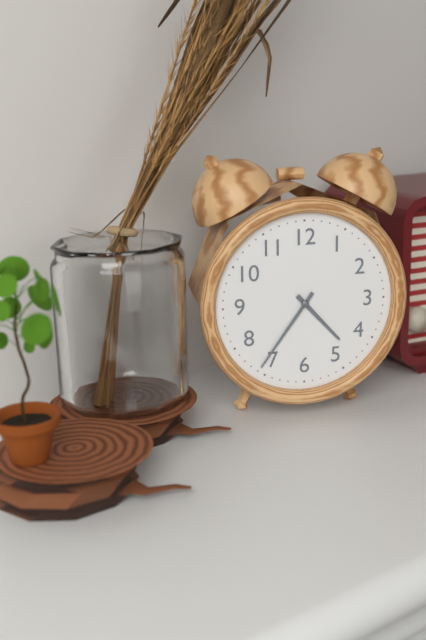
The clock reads 4.36
